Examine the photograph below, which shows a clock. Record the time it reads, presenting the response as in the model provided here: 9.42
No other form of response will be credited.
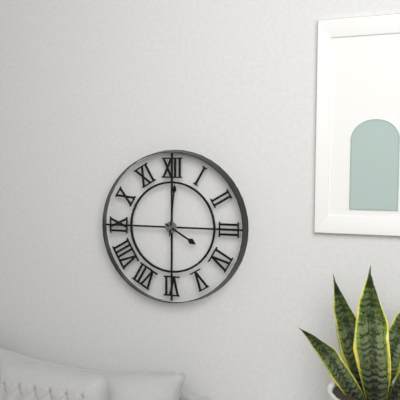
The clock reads 4.01
